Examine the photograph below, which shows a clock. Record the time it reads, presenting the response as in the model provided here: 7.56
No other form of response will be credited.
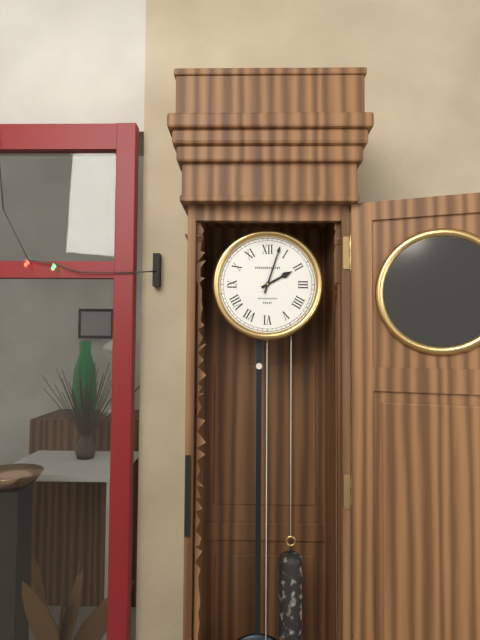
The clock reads 2.03
